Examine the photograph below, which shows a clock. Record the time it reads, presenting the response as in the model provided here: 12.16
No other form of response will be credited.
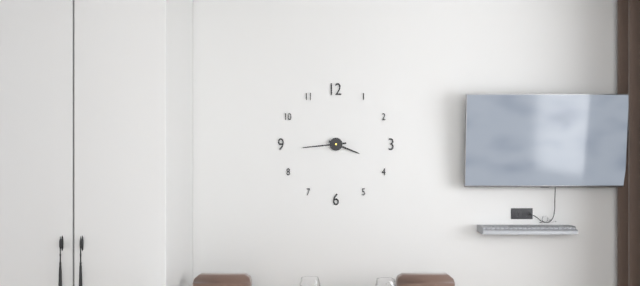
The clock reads 3.44
